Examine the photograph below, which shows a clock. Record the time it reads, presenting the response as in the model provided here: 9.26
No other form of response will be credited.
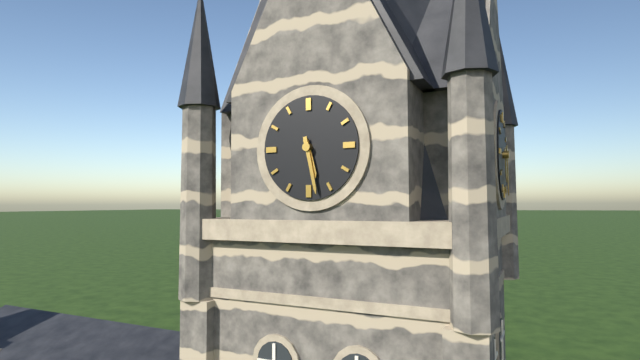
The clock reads 5.28
